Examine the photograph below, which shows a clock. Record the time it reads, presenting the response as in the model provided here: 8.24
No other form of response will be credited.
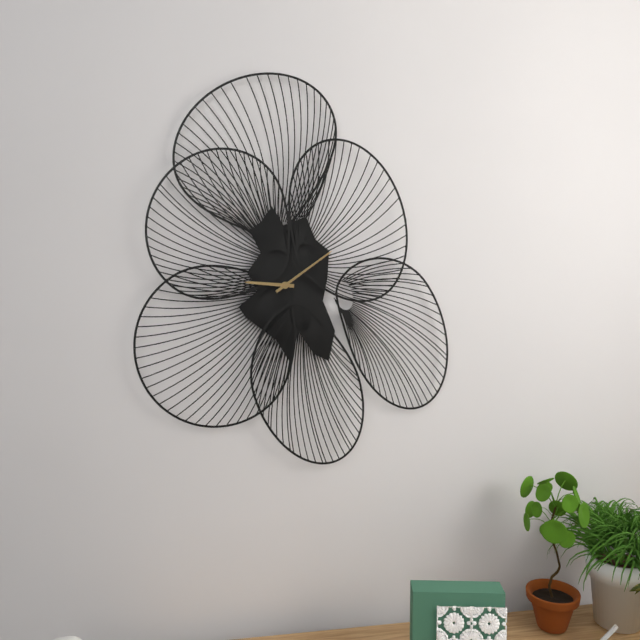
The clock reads 9.09
